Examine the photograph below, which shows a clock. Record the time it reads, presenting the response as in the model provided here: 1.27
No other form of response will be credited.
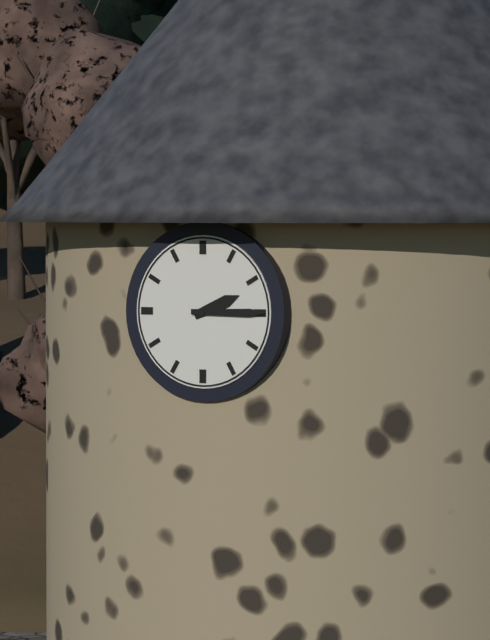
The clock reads 2.15
